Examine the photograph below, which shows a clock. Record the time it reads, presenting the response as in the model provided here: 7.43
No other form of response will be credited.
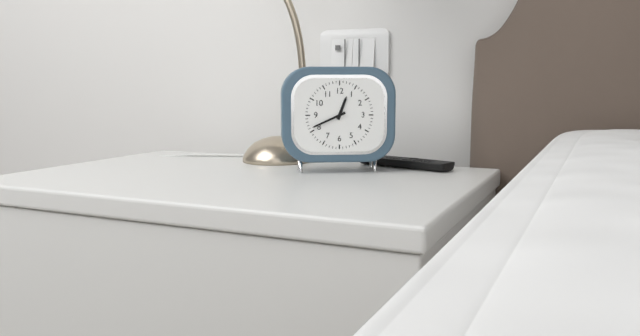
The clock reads 12.41
